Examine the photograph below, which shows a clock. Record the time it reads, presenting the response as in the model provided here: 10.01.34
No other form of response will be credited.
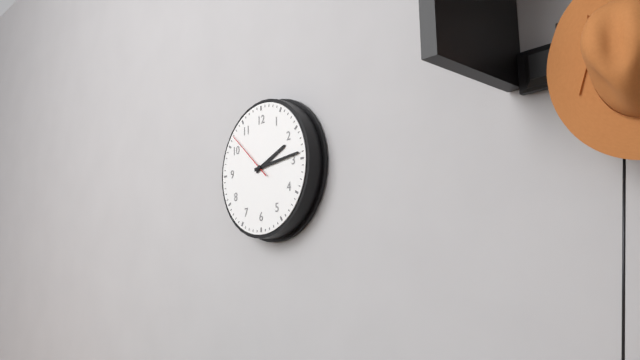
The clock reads 2.14.52
